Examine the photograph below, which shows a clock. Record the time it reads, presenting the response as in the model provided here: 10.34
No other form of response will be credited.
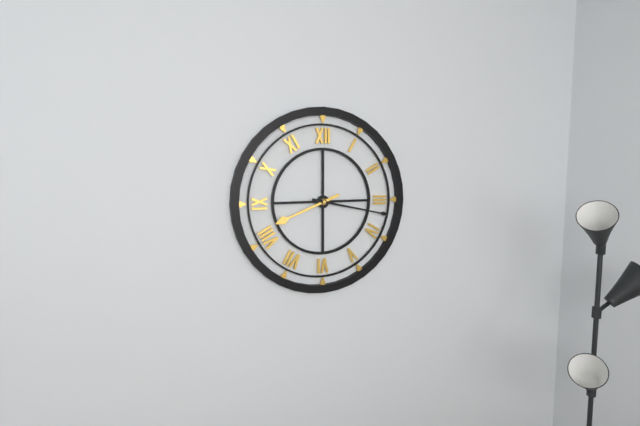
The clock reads 8.17
